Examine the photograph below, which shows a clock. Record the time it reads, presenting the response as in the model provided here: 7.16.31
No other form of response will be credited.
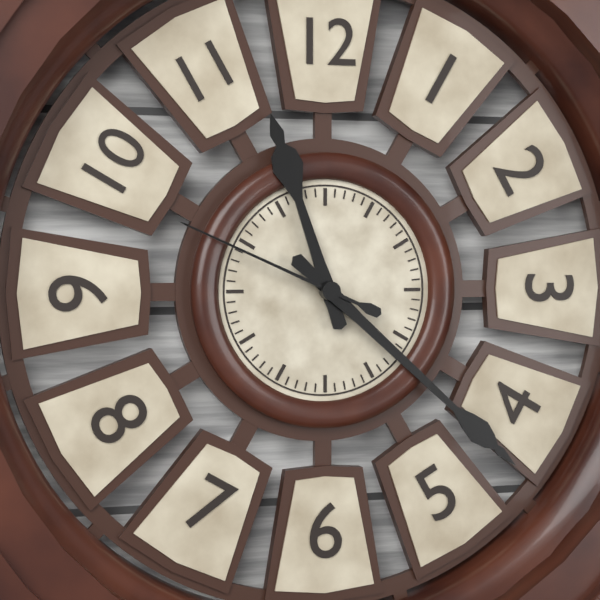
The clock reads 11.22.49
